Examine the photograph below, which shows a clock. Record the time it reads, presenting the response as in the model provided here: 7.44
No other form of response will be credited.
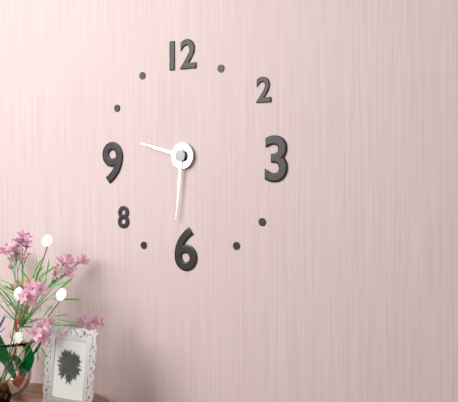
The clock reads 9.31
